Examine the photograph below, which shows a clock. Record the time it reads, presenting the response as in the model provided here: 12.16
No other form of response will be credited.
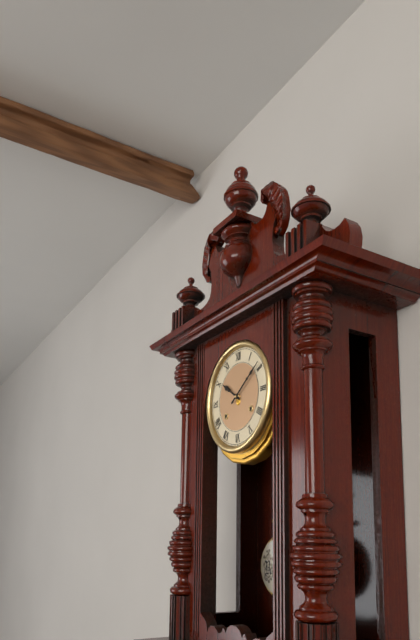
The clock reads 10.09
